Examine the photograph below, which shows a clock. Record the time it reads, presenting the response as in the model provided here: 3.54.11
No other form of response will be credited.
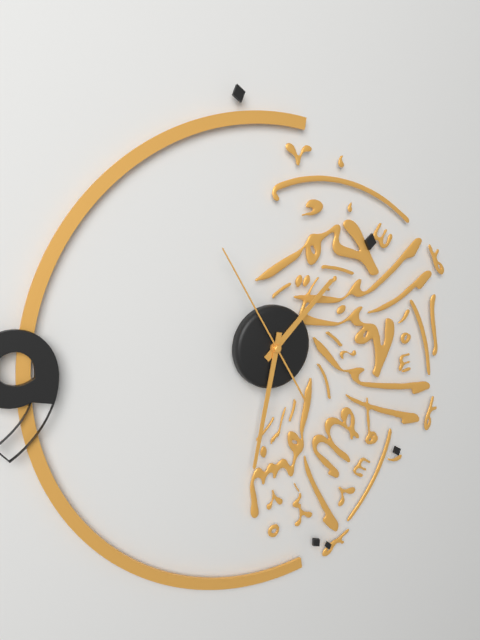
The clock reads 1.32.55
